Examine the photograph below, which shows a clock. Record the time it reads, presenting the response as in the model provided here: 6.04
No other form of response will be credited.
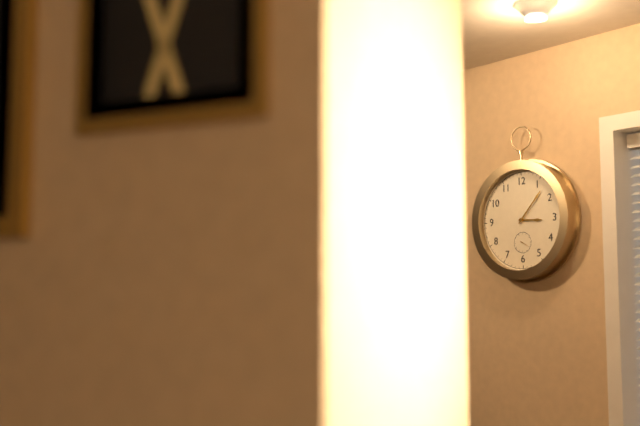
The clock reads 3.07
